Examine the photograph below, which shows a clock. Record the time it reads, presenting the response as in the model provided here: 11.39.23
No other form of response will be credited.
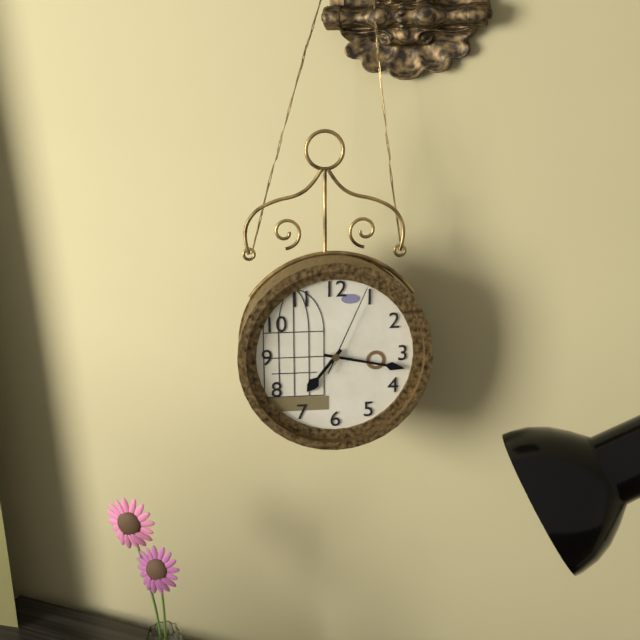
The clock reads 7.17.04
